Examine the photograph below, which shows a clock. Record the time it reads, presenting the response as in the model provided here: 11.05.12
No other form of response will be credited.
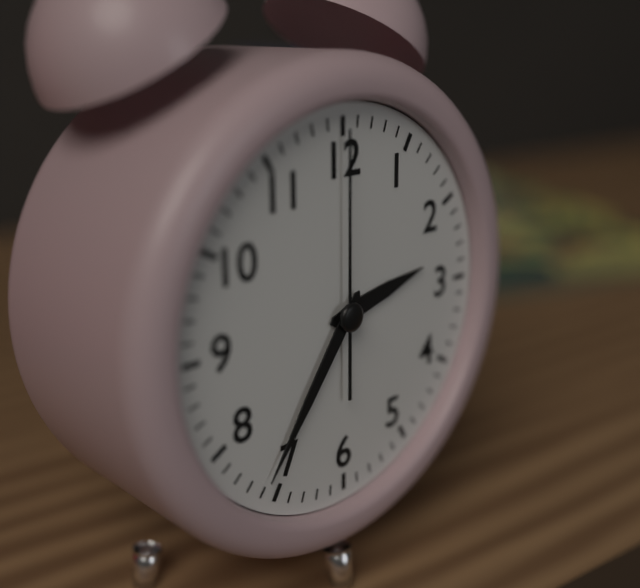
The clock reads 2.36.00
